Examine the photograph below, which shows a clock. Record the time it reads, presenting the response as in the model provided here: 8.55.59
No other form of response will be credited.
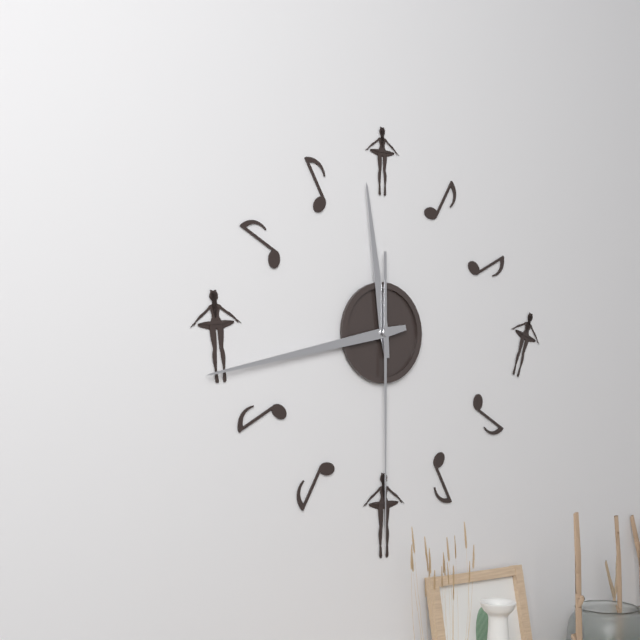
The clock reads 11.43.30
